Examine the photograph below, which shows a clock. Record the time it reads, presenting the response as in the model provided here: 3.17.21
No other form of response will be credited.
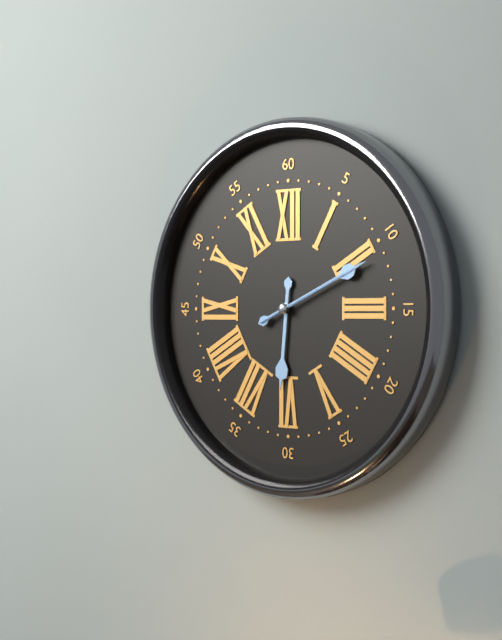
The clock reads 6.11.11
